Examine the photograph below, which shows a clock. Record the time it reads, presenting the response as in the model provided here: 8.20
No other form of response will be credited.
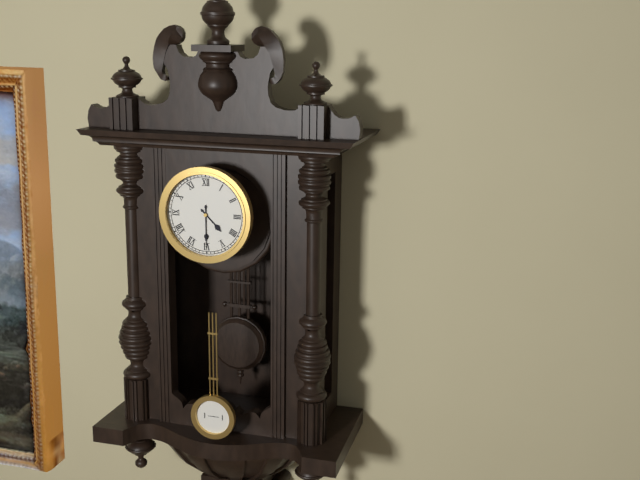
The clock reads 4.30
